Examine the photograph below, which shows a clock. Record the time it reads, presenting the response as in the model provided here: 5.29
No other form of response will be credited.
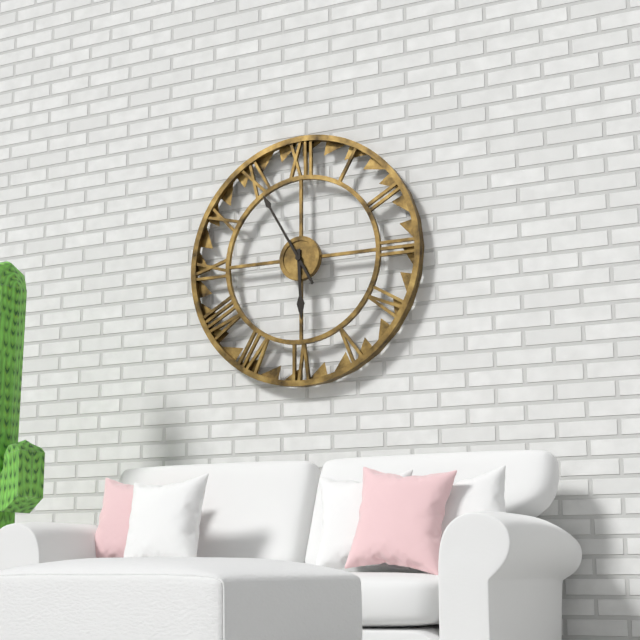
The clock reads 5.55
